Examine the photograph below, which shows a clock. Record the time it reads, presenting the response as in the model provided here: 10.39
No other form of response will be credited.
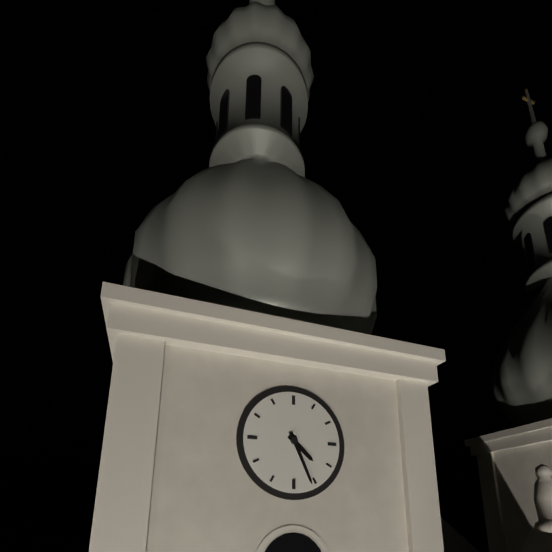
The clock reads 4.26
